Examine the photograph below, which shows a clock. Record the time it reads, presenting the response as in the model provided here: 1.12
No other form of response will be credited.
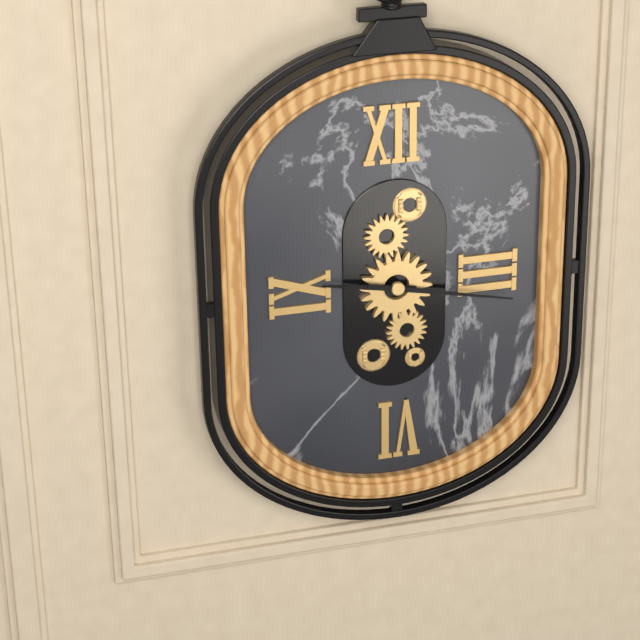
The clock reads 9.17
